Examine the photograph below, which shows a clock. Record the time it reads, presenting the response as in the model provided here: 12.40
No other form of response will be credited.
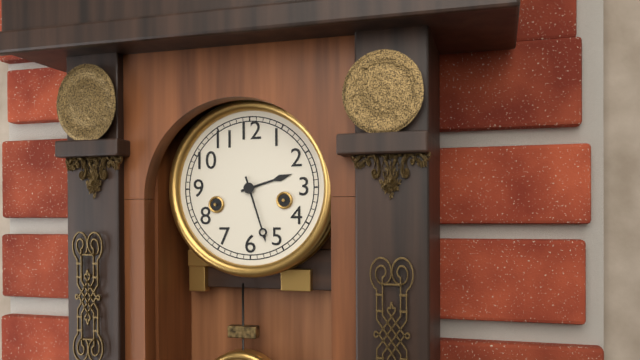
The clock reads 2.27
